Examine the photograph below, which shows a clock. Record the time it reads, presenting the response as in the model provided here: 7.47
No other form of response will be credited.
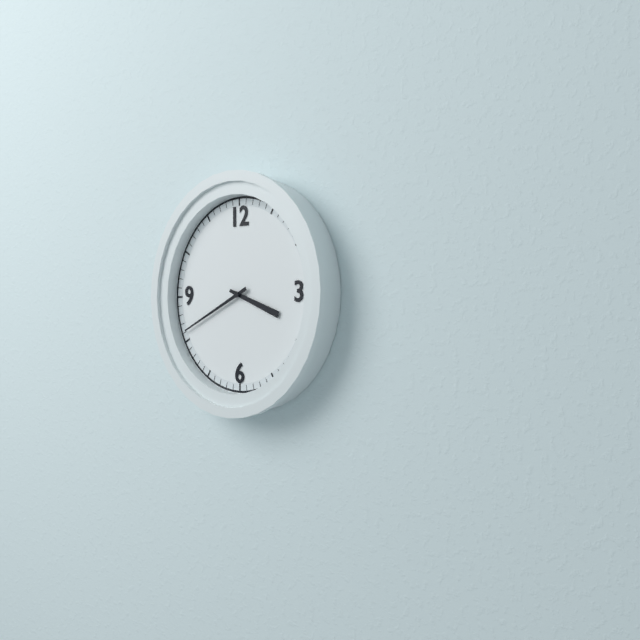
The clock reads 3.41
